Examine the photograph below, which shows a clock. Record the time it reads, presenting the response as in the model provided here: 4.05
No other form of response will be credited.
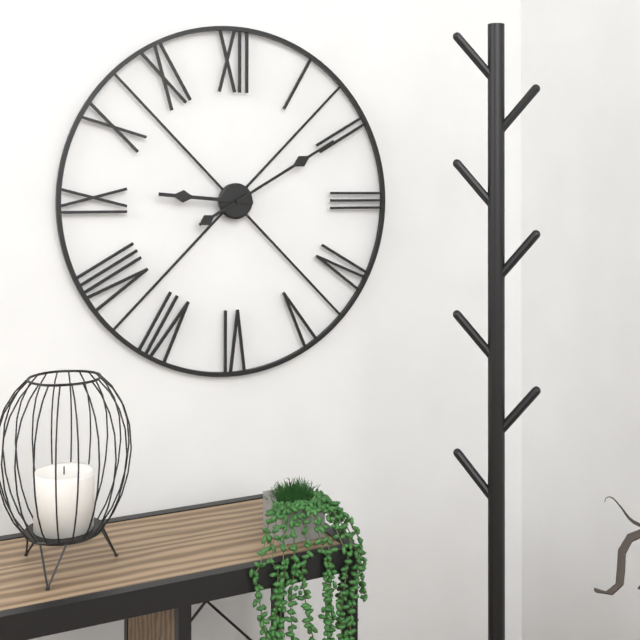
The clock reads 9.10
